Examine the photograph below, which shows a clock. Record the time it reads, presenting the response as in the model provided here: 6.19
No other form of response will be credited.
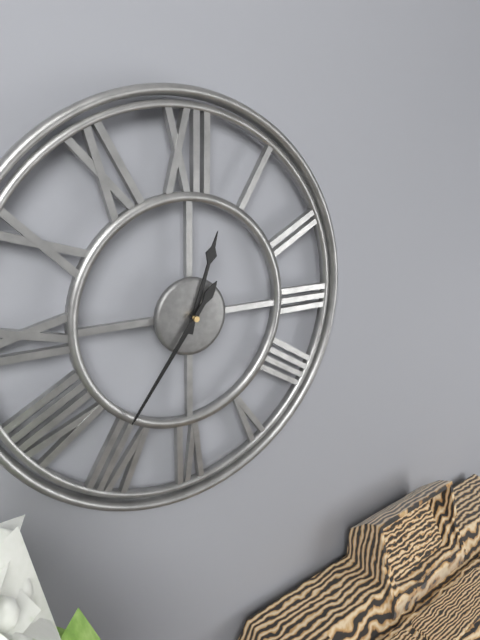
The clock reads 12.36
